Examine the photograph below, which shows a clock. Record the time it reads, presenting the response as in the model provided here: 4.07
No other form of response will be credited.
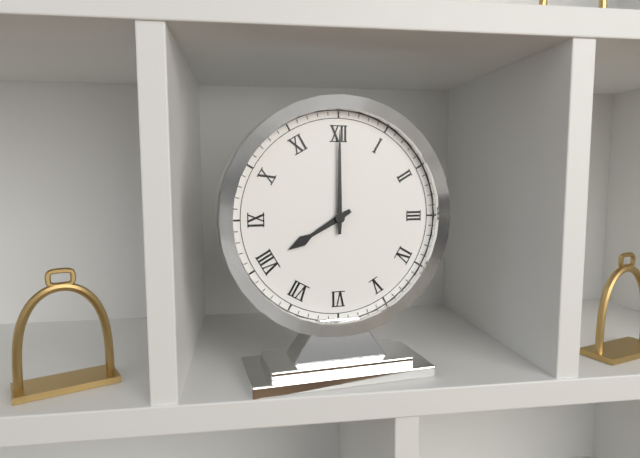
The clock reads 8.00
